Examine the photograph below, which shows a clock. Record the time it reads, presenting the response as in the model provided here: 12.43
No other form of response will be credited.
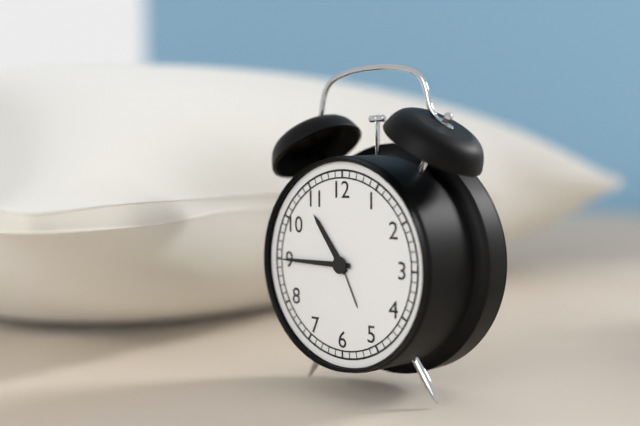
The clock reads 10.45
